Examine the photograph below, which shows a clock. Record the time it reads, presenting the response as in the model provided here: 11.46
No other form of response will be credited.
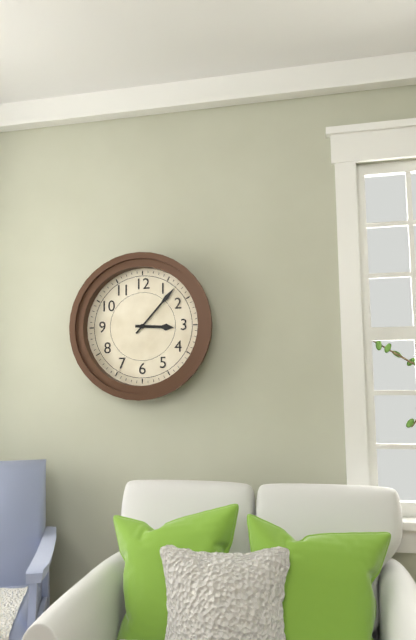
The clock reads 3.07
